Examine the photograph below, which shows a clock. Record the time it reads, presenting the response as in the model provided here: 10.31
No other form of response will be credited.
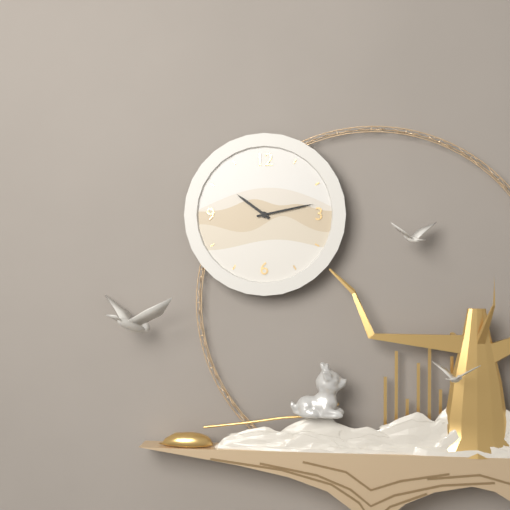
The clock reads 10.13
